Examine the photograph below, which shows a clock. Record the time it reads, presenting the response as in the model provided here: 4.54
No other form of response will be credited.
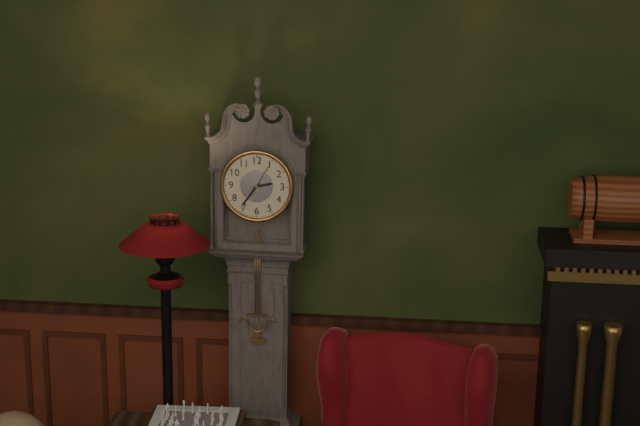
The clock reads 2.36
